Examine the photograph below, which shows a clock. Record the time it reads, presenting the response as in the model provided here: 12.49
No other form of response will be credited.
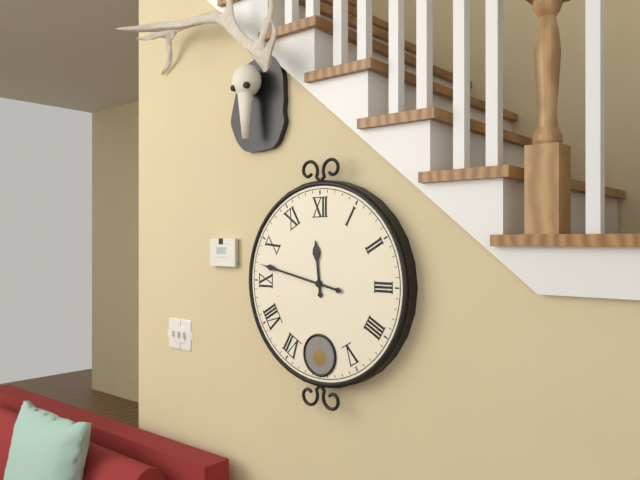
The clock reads 11.47
